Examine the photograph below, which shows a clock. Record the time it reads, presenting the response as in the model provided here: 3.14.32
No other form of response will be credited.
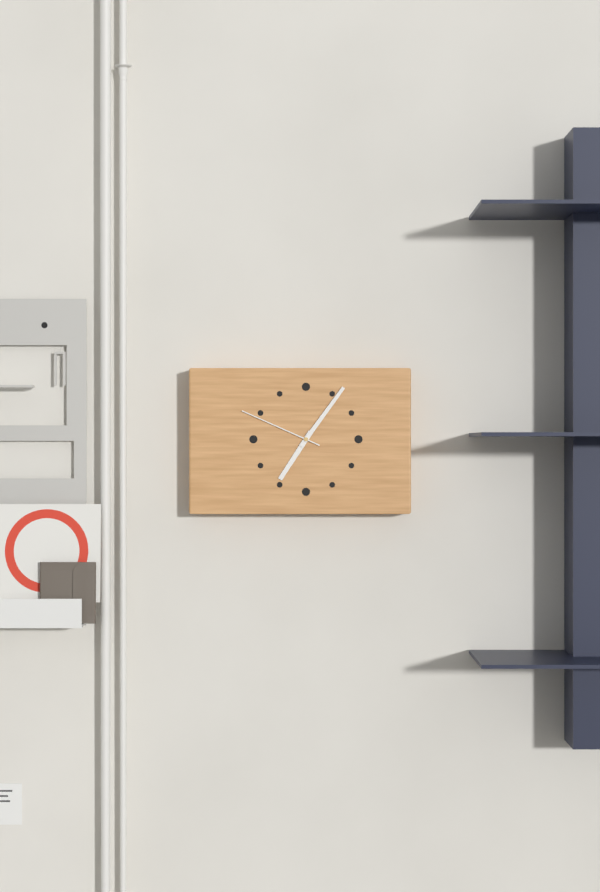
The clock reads 7.06.49
